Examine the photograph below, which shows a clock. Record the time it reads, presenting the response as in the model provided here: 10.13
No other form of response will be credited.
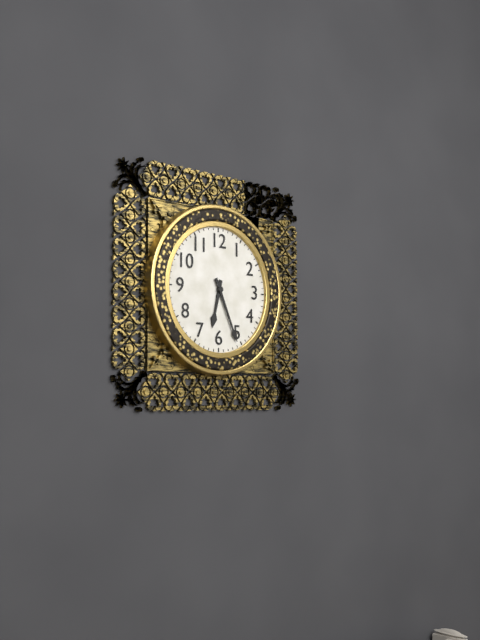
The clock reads 6.26
